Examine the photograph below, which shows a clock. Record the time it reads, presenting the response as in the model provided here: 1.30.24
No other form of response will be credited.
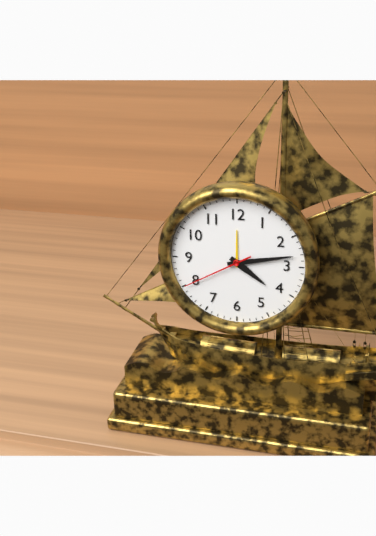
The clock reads 4.13.40
